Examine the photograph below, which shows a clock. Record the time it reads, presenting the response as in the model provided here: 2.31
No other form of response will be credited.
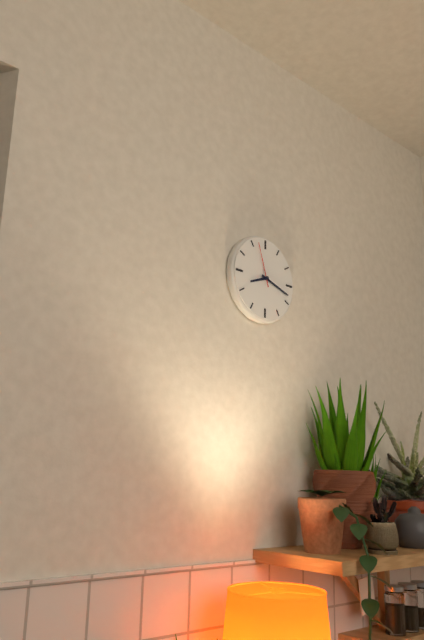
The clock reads 8.18
